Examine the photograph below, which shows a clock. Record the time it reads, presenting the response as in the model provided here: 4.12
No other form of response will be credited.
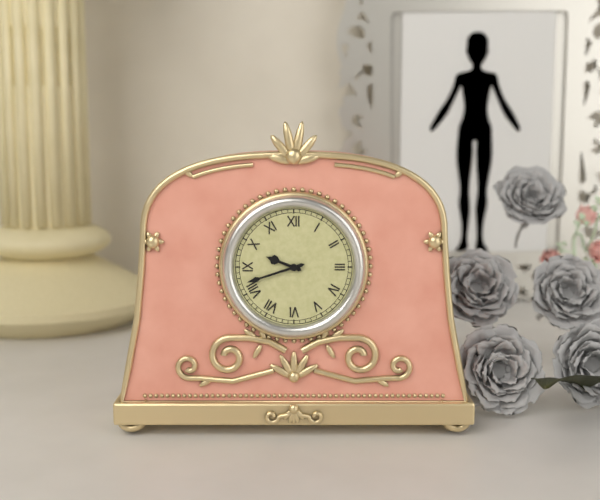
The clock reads 9.42
